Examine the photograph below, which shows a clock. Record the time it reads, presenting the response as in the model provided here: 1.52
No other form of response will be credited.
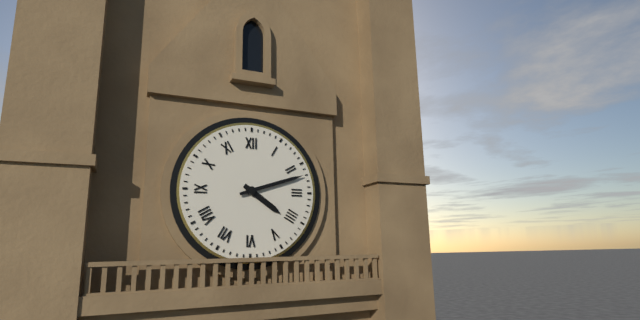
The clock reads 4.12
